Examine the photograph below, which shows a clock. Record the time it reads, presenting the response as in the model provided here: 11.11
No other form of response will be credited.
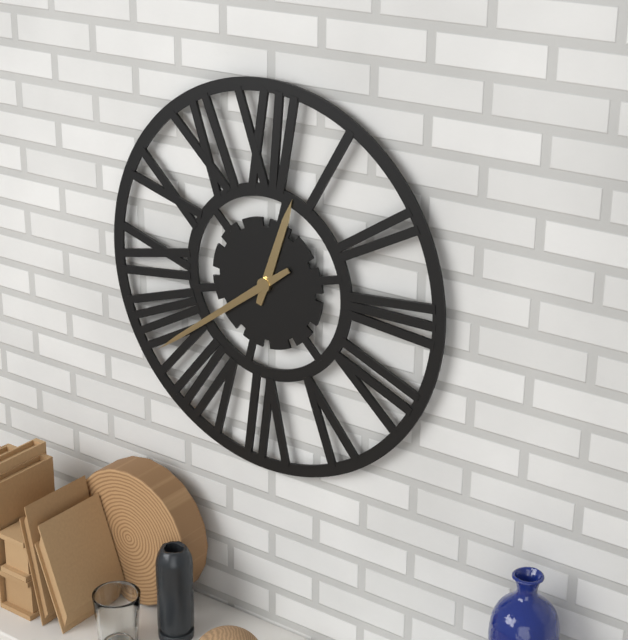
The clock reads 12.39
